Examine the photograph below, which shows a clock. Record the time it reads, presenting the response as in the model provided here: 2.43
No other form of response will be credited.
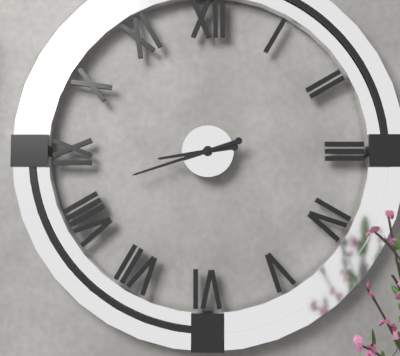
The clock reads 8.42
